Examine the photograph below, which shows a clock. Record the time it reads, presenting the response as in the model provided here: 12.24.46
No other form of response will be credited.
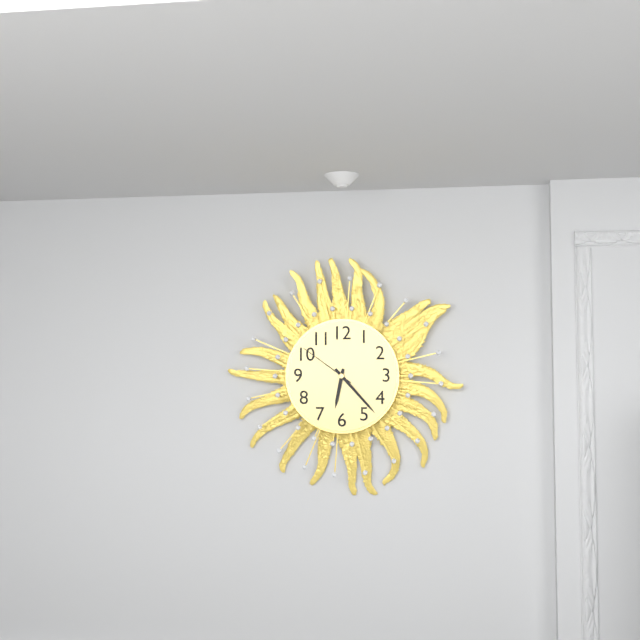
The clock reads 6.23.51
